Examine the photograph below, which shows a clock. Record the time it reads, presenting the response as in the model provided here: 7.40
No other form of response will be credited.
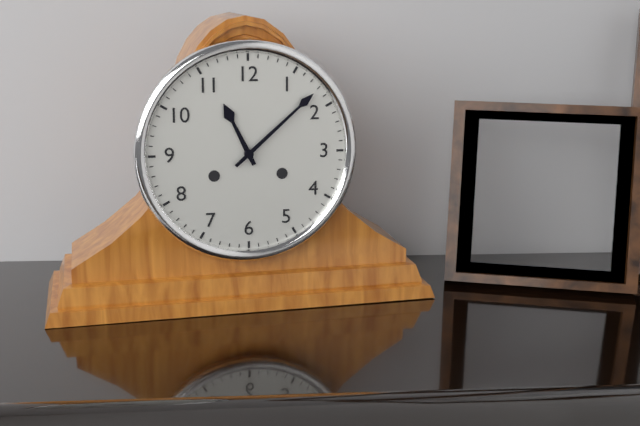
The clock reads 11.08
